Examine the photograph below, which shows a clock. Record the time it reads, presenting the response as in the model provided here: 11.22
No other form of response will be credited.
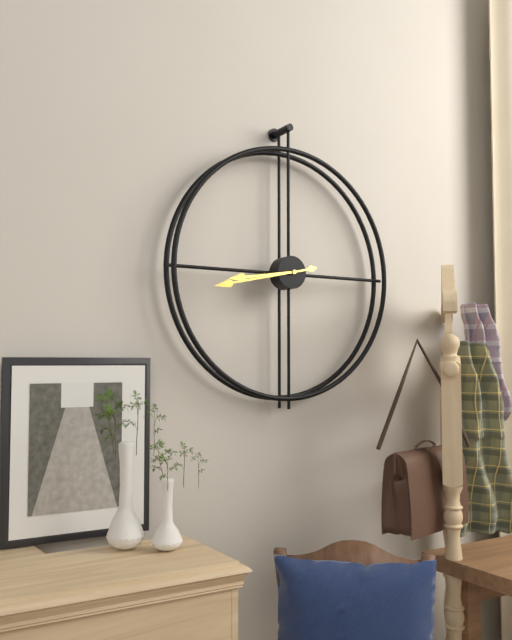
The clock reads 8.43
